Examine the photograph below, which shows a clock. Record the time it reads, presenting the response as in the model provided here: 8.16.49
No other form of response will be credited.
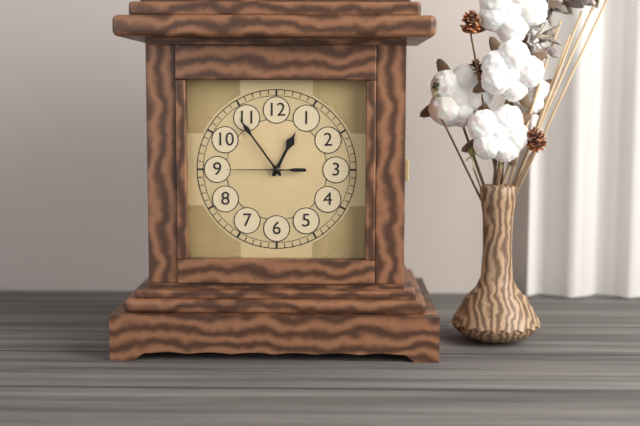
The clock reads 12.54.45
